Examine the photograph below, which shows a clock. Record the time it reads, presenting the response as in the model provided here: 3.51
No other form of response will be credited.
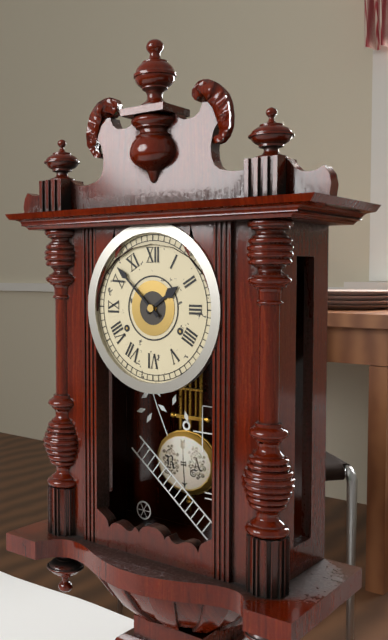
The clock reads 1.52
